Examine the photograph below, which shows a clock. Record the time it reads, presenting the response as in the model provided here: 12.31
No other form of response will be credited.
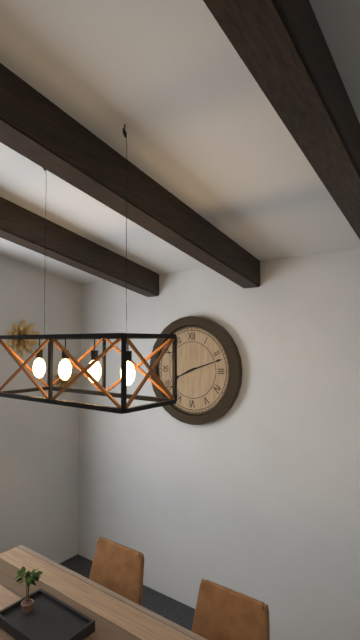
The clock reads 8.12
